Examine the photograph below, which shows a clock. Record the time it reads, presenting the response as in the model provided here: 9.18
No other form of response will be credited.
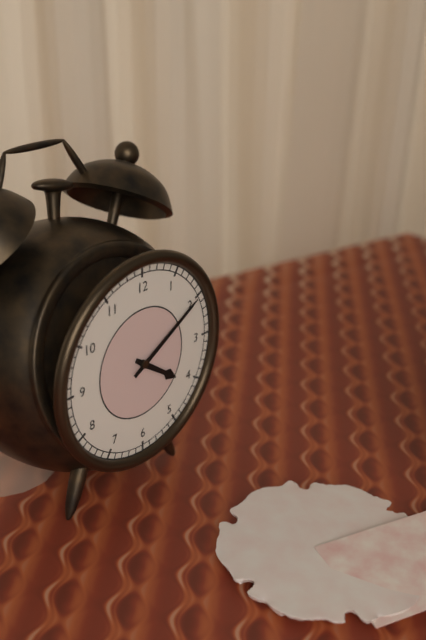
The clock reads 4.10
